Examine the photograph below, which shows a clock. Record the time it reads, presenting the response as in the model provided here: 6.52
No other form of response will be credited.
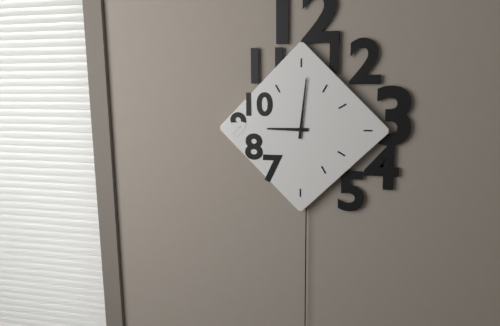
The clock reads 9.01
